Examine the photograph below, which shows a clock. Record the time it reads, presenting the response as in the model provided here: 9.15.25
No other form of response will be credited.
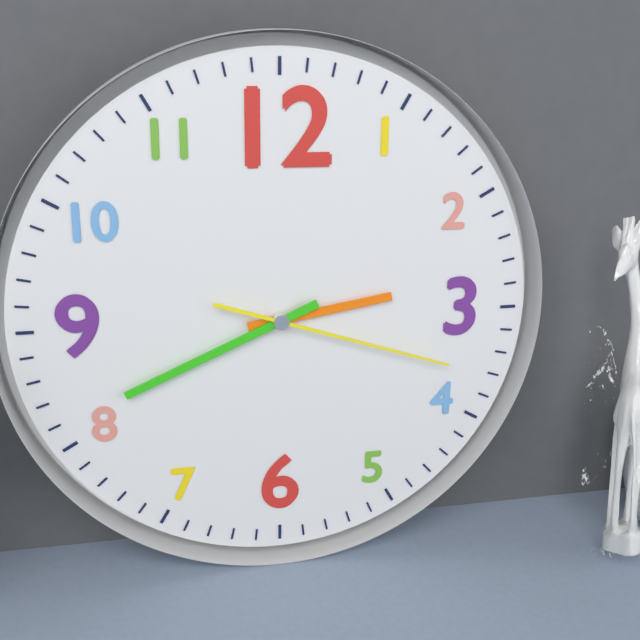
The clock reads 2.41.18
